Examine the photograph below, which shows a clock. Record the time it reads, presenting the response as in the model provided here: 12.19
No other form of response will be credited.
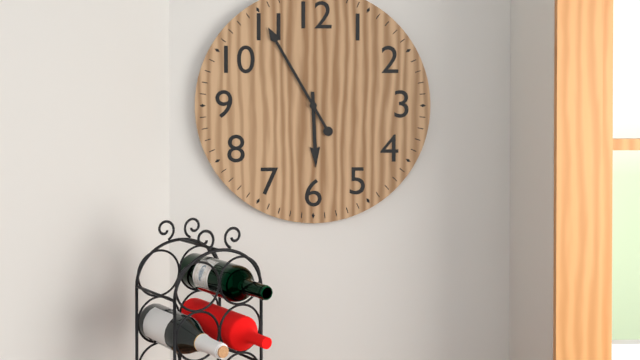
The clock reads 5.55
